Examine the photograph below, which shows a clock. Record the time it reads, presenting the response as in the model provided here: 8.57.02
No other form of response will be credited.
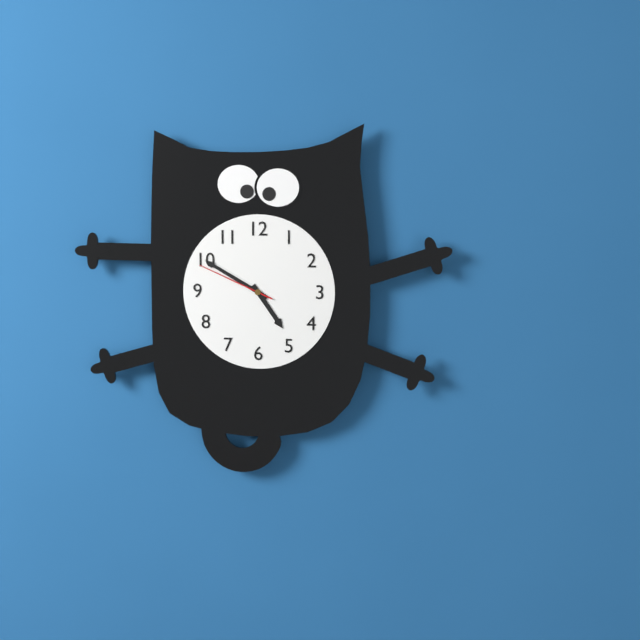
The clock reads 4.50.49
